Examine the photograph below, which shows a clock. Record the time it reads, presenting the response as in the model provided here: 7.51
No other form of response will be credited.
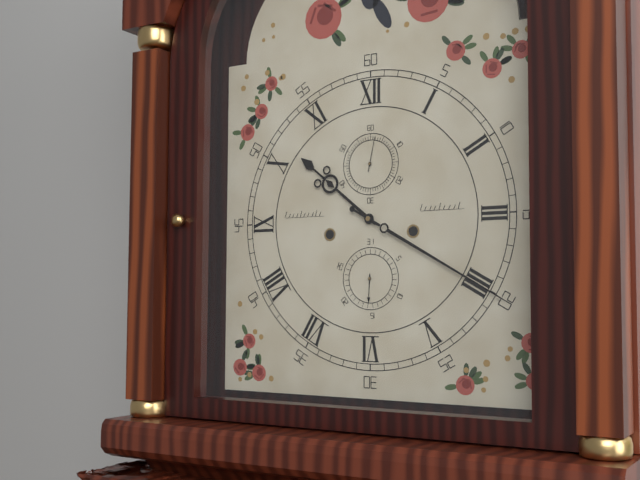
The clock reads 10.20
